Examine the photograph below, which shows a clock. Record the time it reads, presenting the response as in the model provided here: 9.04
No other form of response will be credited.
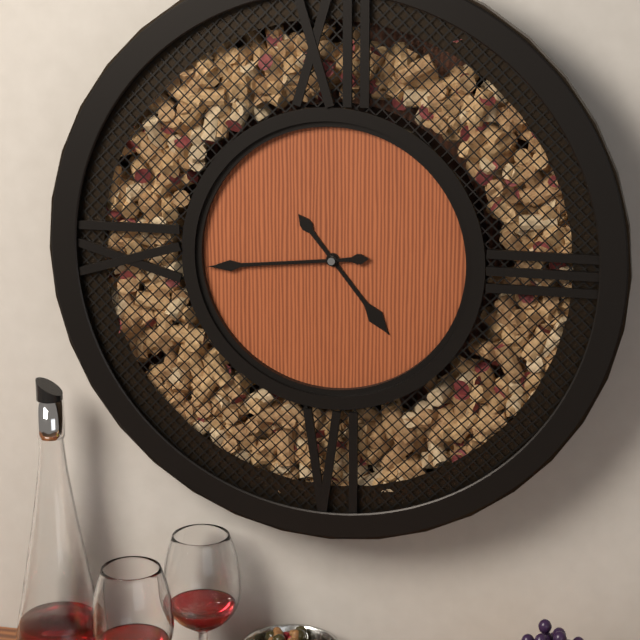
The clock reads 4.44
